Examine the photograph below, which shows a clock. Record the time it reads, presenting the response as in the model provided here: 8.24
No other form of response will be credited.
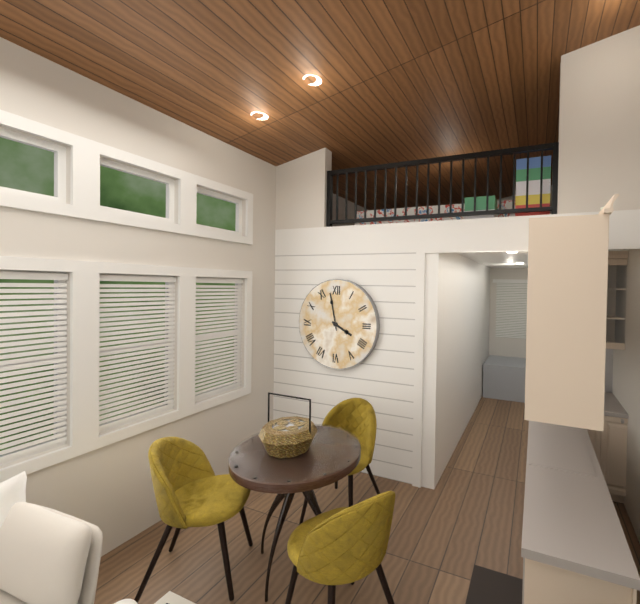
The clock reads 3.58
